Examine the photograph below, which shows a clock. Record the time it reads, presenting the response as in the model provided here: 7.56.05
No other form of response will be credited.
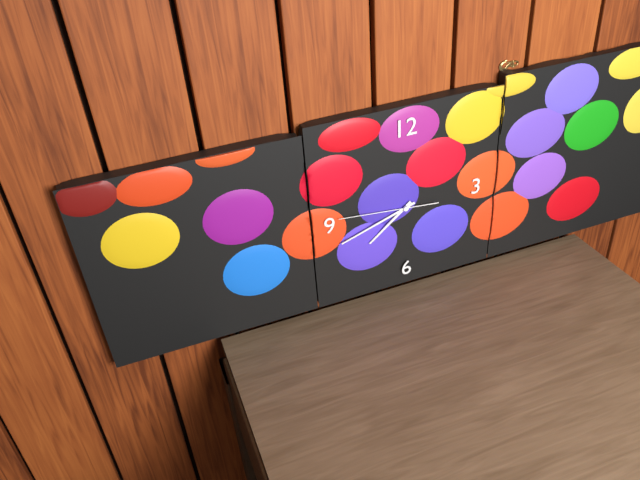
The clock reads 7.42.46
